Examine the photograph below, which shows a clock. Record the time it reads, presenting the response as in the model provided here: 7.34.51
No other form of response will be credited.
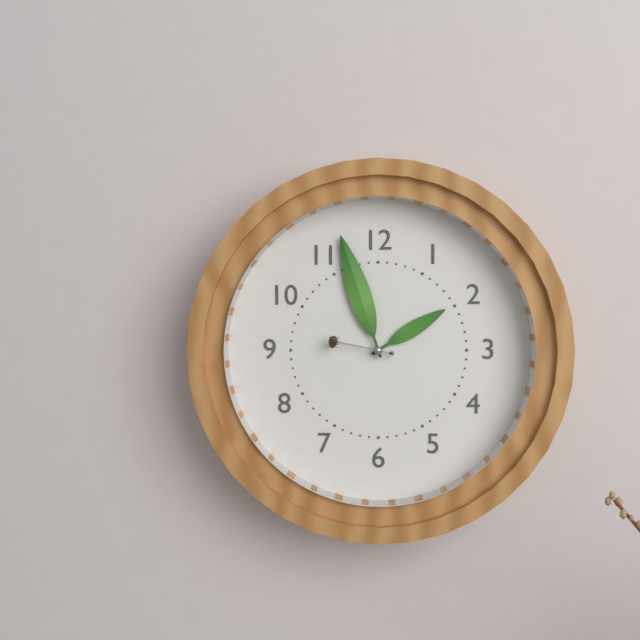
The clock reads 1.57.47
